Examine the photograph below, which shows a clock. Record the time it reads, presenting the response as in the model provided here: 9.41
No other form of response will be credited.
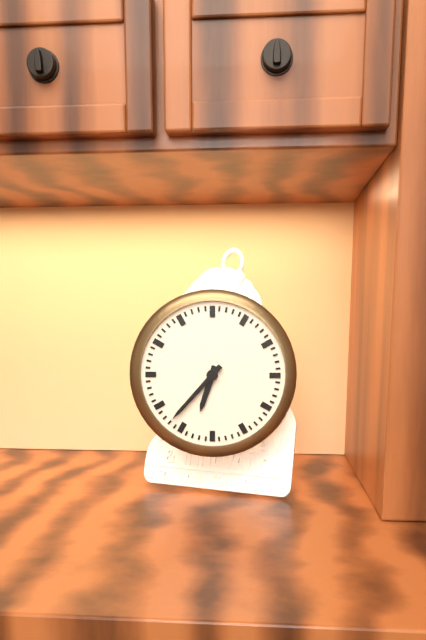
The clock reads 6.37
